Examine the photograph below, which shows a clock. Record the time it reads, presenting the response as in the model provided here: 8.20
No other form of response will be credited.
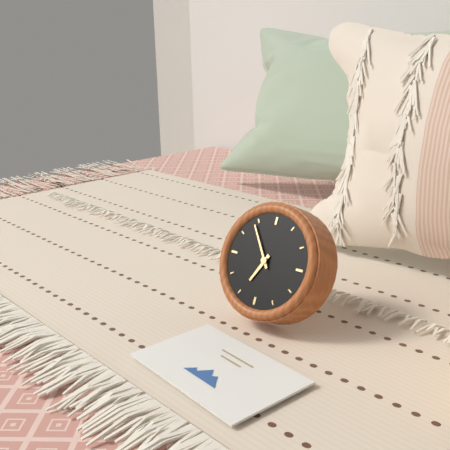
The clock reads 6.54
